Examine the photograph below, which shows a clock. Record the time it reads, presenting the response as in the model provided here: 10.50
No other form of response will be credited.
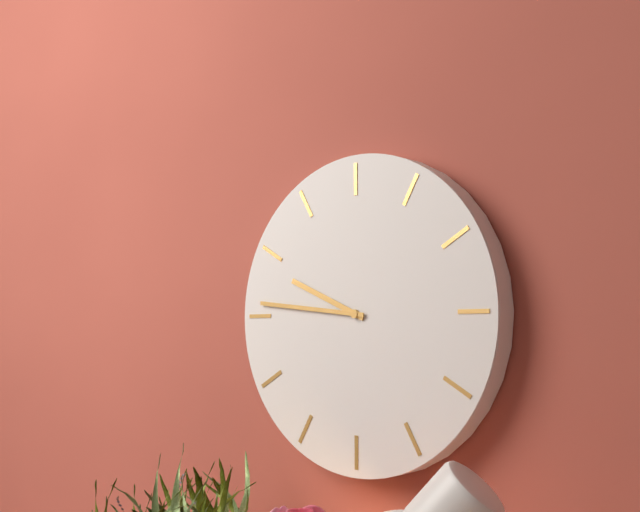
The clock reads 9.46
